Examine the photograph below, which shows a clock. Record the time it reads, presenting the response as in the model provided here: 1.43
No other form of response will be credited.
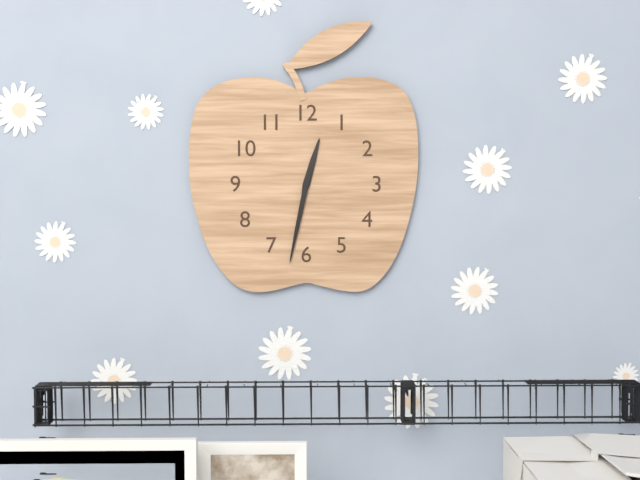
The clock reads 12.32
